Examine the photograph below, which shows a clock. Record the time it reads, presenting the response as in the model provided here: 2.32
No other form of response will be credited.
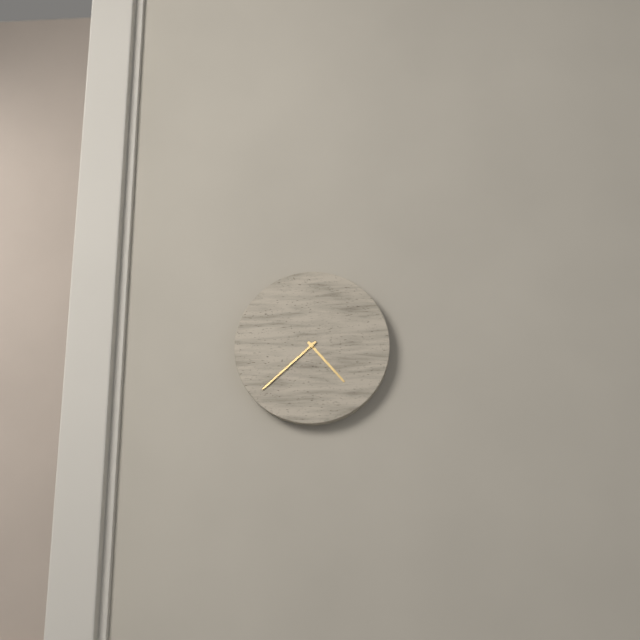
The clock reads 4.38
